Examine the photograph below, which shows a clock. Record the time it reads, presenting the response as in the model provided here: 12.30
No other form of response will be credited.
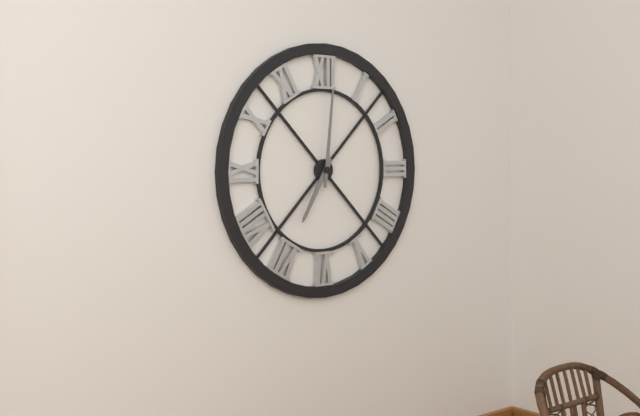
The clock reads 7.01
